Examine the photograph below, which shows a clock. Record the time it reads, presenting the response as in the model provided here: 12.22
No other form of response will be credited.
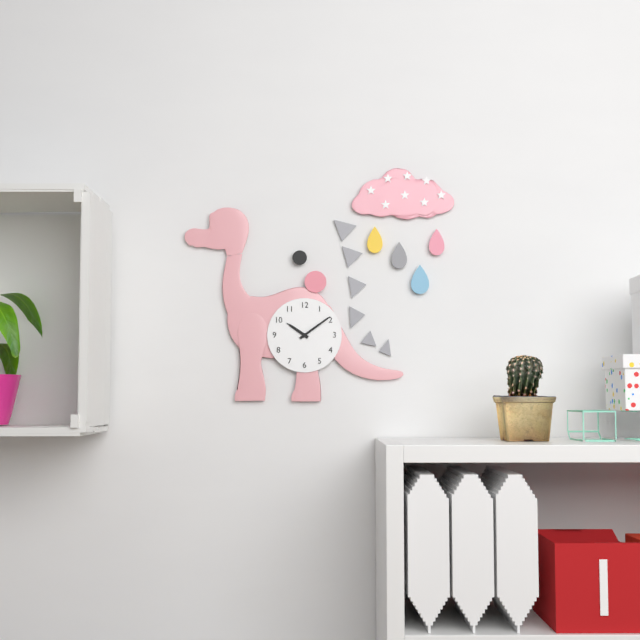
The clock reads 10.09
